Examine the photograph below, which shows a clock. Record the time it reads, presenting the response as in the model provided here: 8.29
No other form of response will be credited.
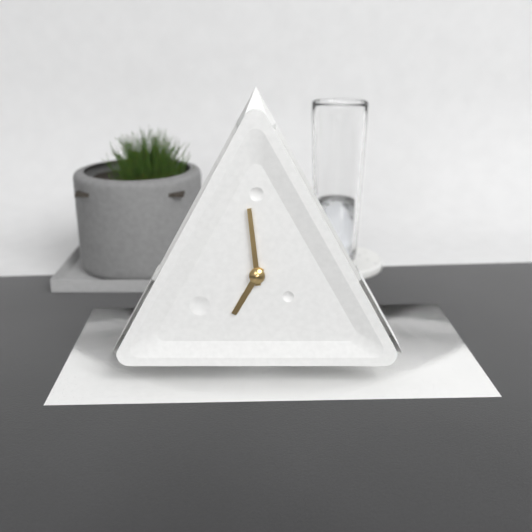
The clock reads 6.59
